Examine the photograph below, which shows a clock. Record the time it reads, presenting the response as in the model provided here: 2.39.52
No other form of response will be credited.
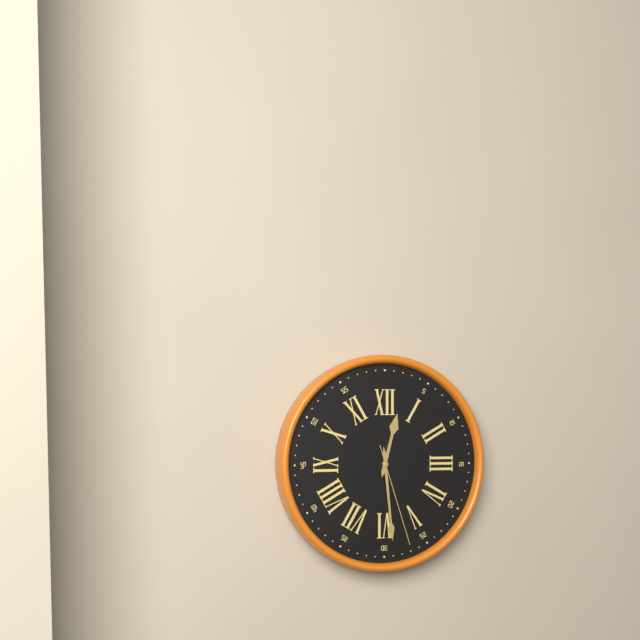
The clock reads 12.29.27
